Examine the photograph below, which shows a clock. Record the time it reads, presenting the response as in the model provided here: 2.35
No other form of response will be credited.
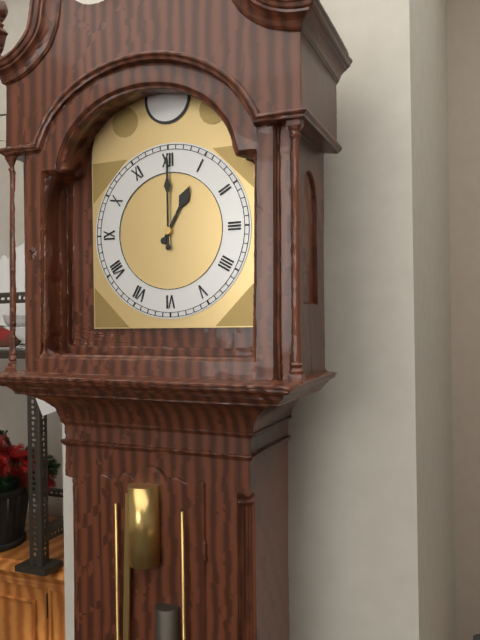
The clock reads 1.00
